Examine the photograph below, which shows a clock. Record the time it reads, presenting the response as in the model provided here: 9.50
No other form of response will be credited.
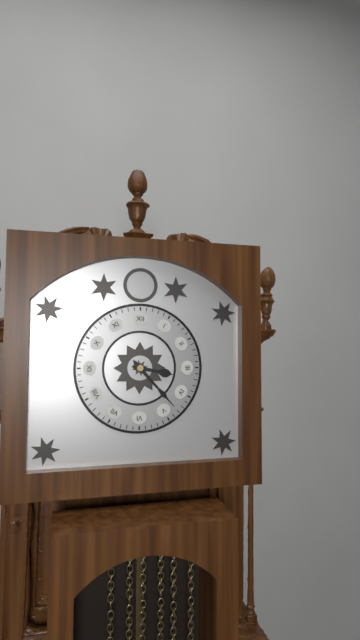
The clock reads 3.23
